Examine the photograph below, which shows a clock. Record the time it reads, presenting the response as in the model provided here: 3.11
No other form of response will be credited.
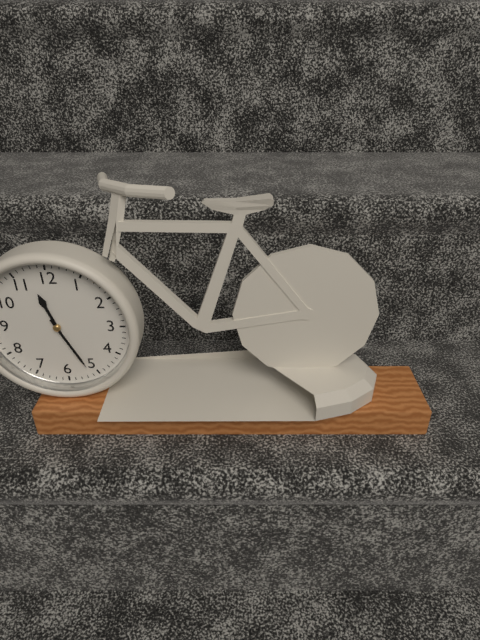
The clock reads 11.26
